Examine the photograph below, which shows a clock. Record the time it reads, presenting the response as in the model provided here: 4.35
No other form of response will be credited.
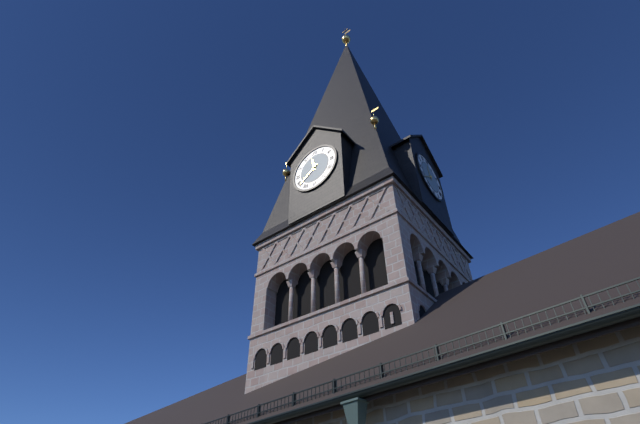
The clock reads 11.39
